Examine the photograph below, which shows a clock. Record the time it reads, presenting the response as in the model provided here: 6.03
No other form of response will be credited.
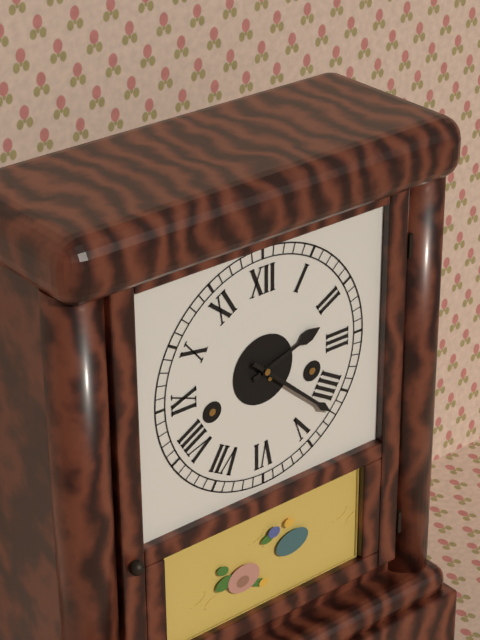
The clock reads 2.22
